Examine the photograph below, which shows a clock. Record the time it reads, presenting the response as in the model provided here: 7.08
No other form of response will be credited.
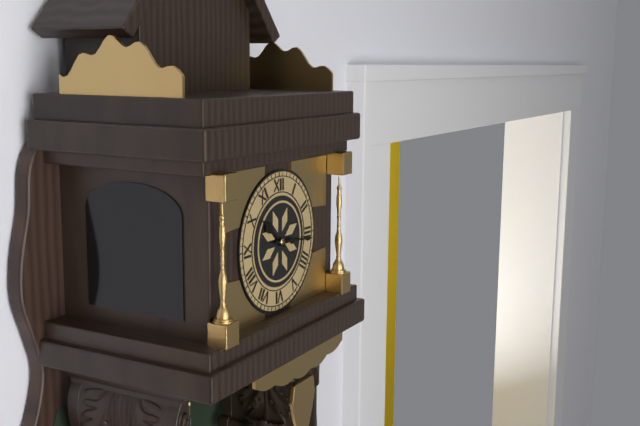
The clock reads 10.16
